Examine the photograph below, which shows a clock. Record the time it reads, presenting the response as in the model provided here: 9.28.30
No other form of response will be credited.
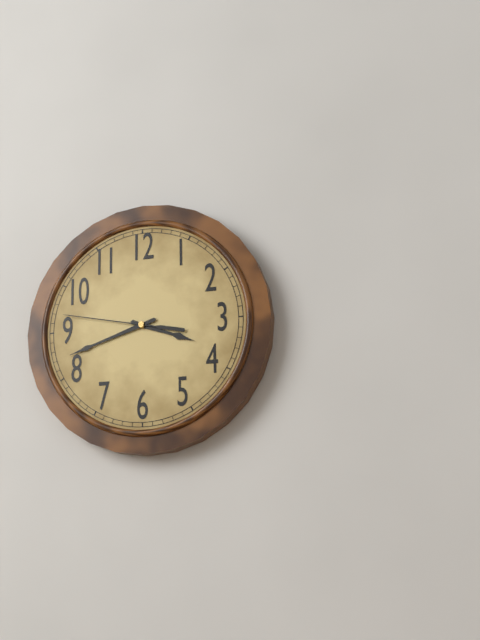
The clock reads 3.42.47
